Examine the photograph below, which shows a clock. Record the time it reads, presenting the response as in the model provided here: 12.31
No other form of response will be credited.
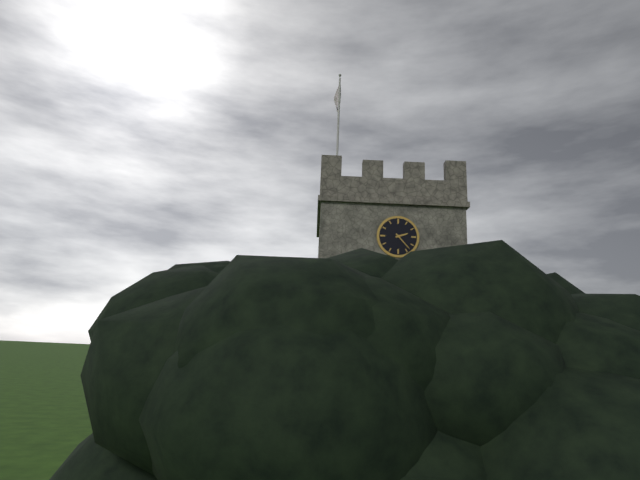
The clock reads 2.23
